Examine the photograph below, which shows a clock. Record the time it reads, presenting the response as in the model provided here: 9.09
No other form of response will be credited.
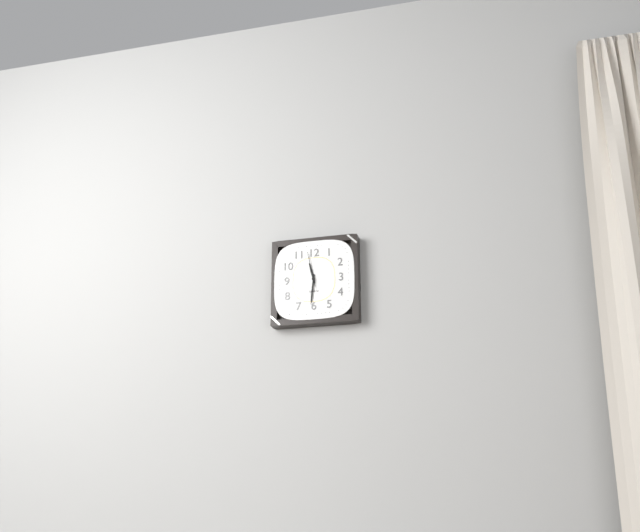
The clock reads 11.31
